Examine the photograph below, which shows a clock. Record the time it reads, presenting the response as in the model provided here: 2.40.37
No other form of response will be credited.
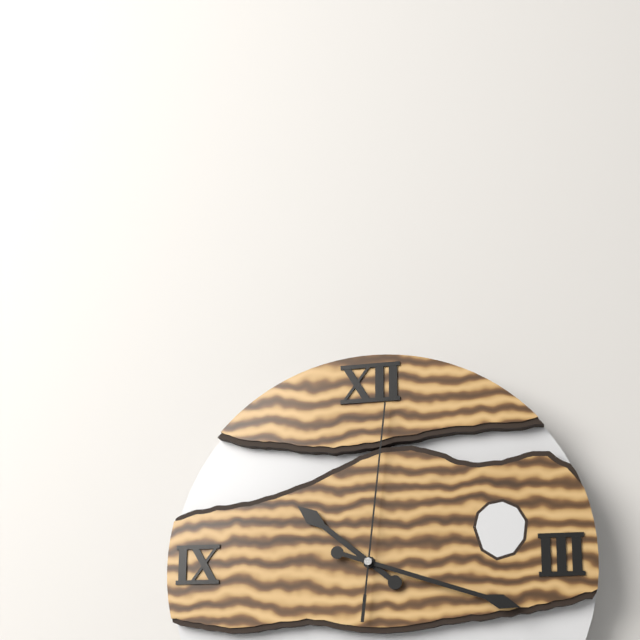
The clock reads 10.18.01
